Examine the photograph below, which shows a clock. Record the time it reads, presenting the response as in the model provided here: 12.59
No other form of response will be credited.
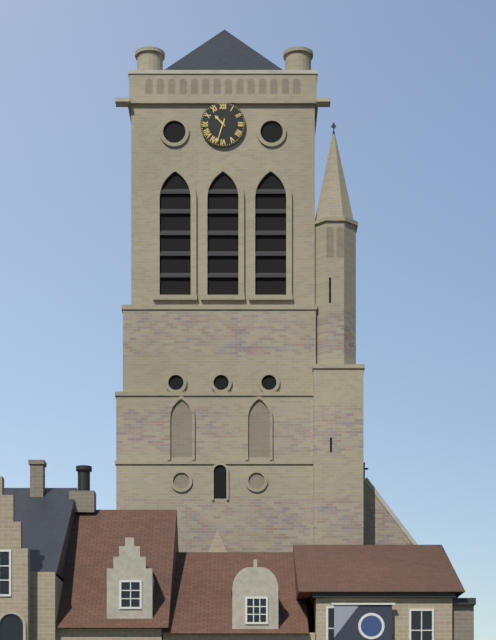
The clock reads 10.33
